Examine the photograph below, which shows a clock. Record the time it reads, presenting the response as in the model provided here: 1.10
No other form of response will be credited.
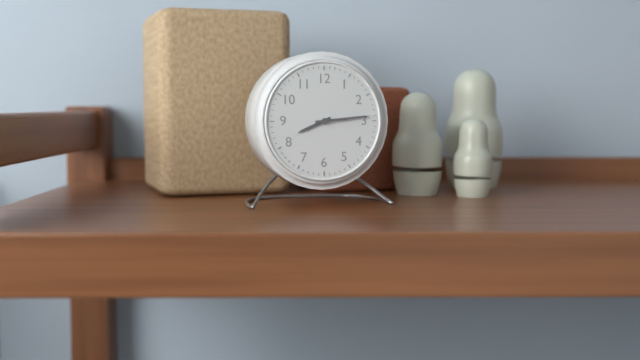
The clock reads 8.14
